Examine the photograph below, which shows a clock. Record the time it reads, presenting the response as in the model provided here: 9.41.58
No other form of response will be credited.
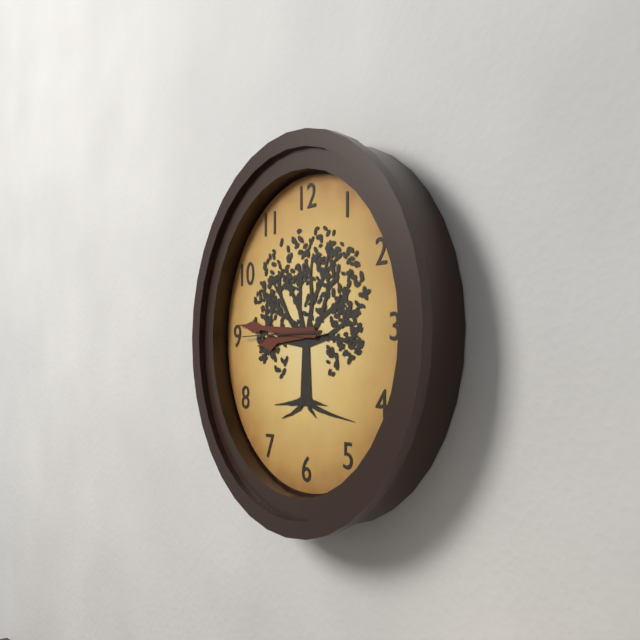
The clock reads 8.46.45
